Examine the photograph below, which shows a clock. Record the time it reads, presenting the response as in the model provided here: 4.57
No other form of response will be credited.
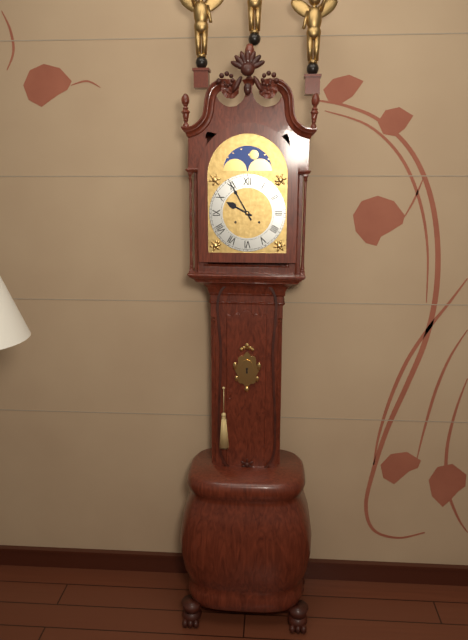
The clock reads 9.55
